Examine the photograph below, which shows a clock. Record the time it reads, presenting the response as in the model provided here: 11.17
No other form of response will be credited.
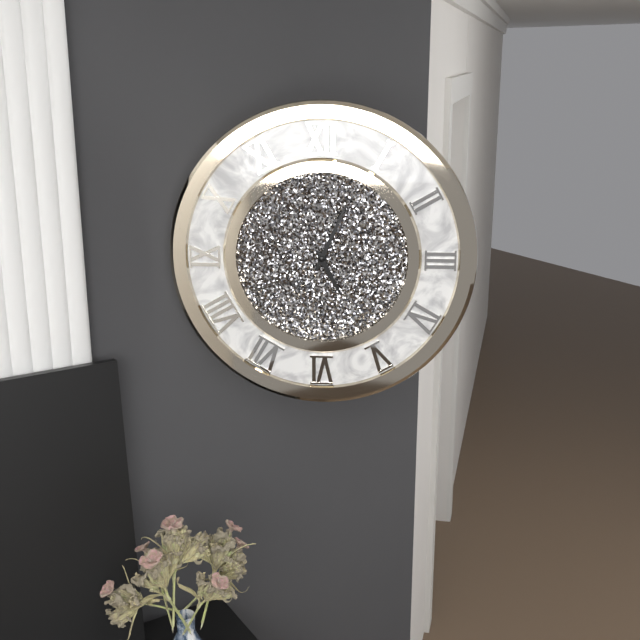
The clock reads 5.04
